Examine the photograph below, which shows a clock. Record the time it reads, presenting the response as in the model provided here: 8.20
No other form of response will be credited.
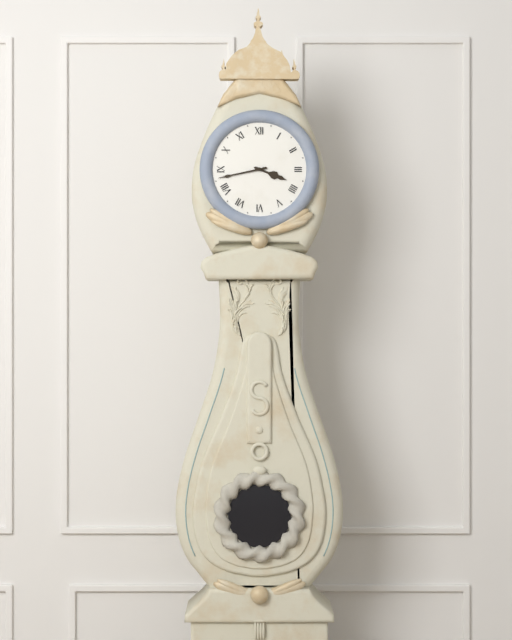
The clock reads 3.43
